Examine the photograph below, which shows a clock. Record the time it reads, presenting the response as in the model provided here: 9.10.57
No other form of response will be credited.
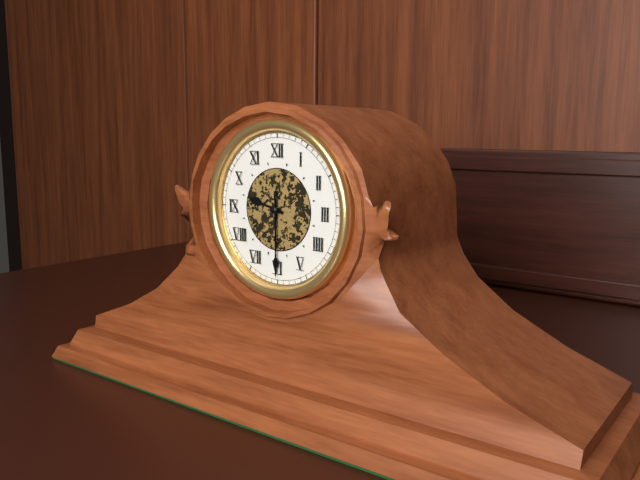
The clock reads 9.30.30
